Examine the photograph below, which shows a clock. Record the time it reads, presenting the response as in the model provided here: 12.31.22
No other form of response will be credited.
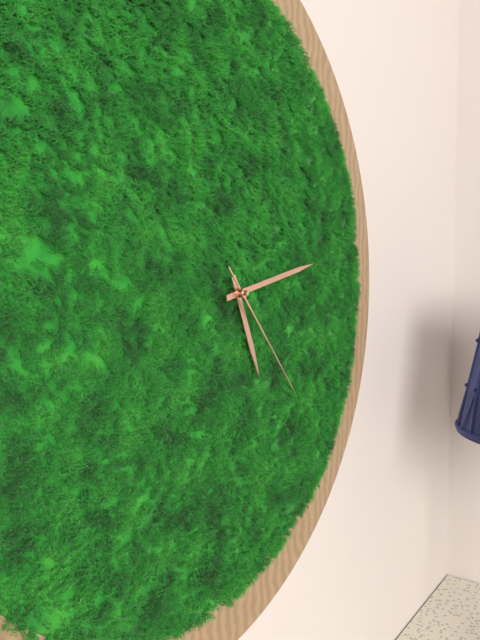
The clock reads 5.13.23
